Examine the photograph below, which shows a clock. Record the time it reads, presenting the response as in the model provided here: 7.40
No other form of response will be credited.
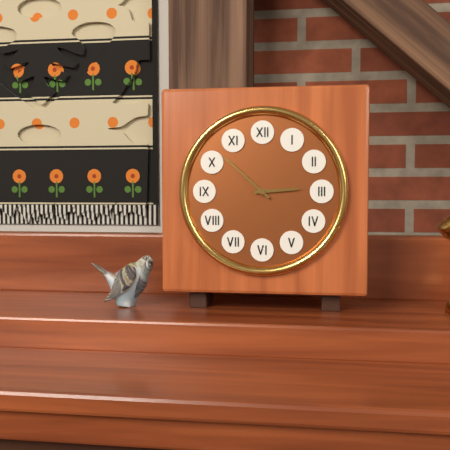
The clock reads 2.52
